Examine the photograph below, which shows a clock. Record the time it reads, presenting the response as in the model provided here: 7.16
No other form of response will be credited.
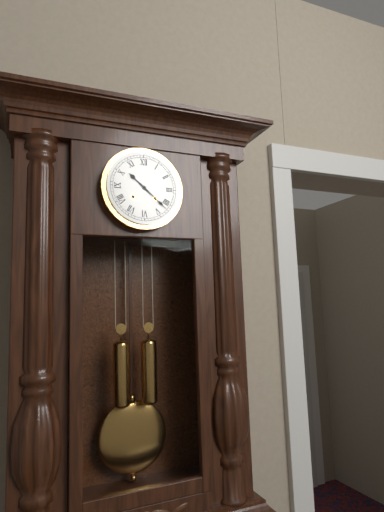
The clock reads 10.22
